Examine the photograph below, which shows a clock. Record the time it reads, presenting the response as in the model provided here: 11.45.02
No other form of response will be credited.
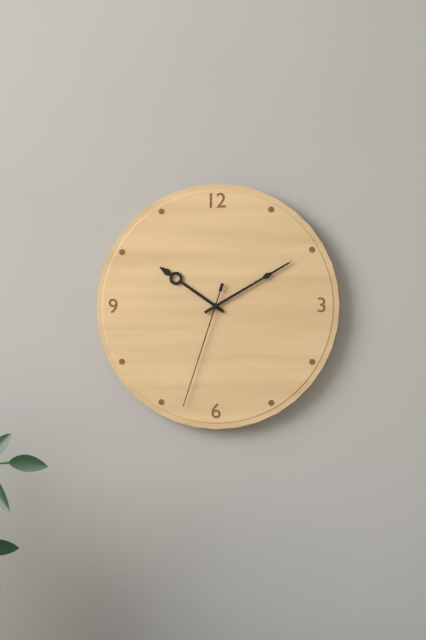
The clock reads 10.10.33
